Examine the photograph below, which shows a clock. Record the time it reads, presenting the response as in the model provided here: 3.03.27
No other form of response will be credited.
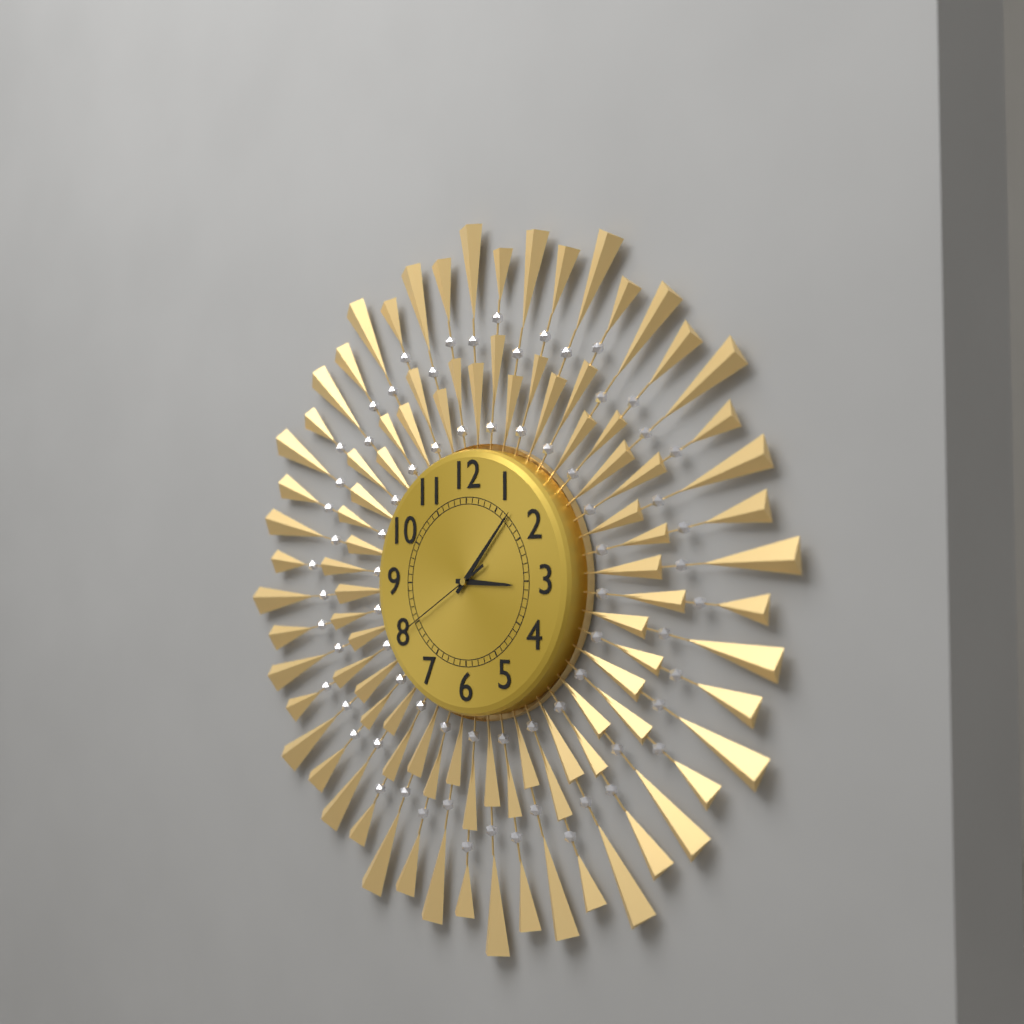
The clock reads 3.07.40
